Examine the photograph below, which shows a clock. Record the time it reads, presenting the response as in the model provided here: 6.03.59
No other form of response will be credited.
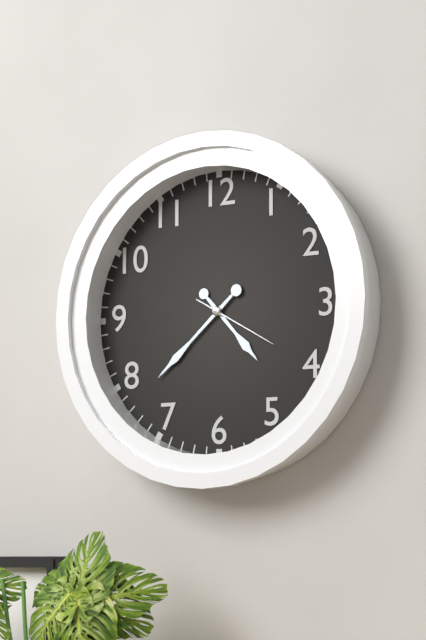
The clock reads 4.38.20
